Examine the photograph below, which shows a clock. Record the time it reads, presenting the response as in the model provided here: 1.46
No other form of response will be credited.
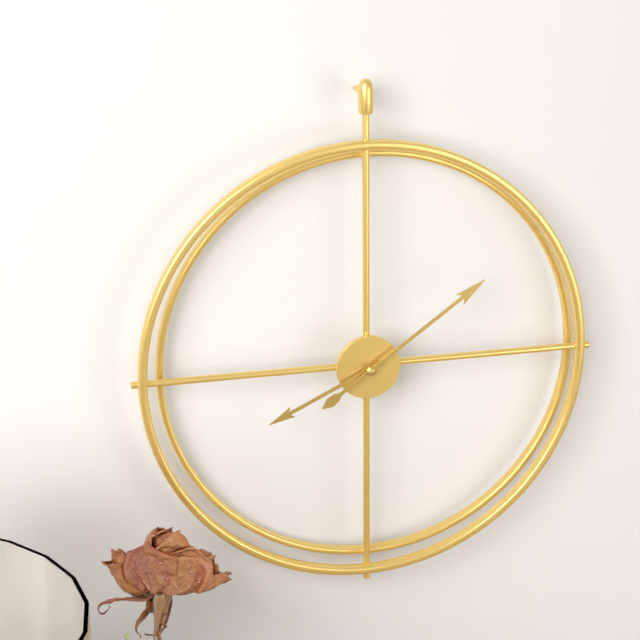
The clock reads 8.09
